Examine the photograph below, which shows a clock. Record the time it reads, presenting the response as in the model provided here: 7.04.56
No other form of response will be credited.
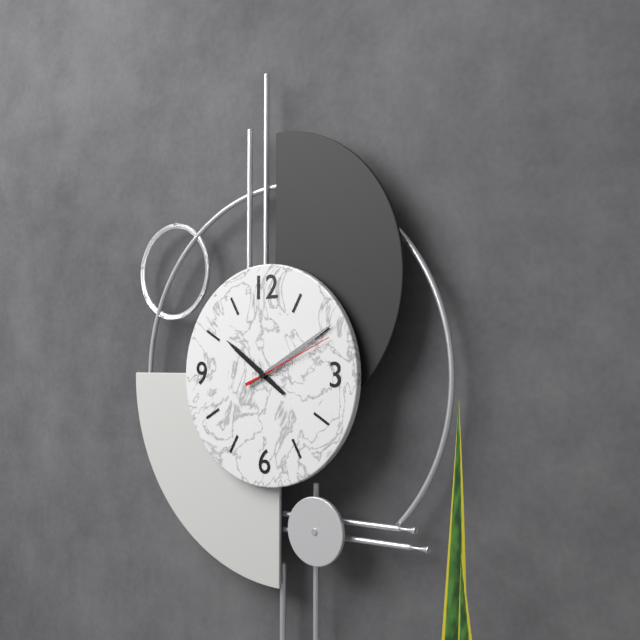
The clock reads 10.10.11
